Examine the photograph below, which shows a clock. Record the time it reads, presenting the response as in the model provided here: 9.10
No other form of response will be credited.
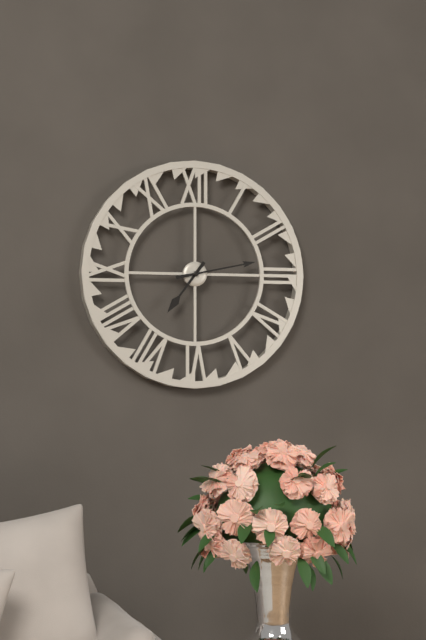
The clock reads 7.13
